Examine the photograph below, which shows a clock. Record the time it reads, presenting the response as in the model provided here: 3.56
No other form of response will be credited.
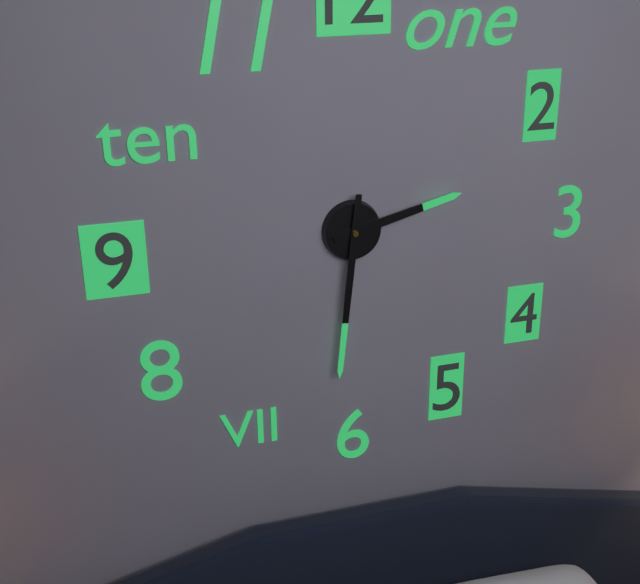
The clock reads 2.31
